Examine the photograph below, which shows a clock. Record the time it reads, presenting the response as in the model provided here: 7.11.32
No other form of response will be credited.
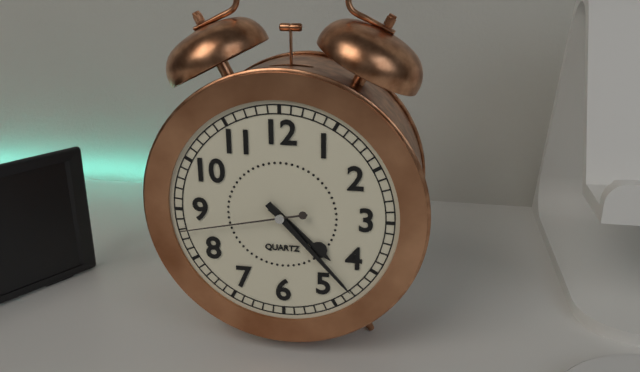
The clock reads 4.23.43
